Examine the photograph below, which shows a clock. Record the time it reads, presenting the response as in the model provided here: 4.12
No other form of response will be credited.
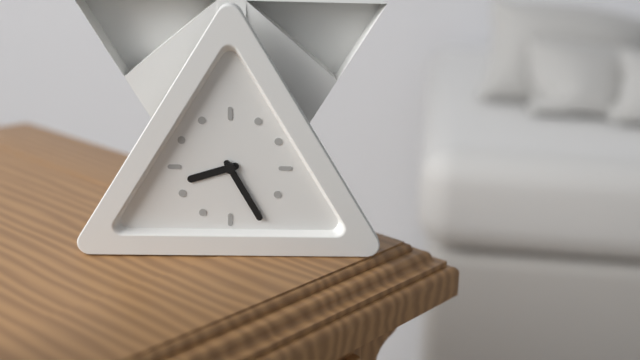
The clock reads 8.25
